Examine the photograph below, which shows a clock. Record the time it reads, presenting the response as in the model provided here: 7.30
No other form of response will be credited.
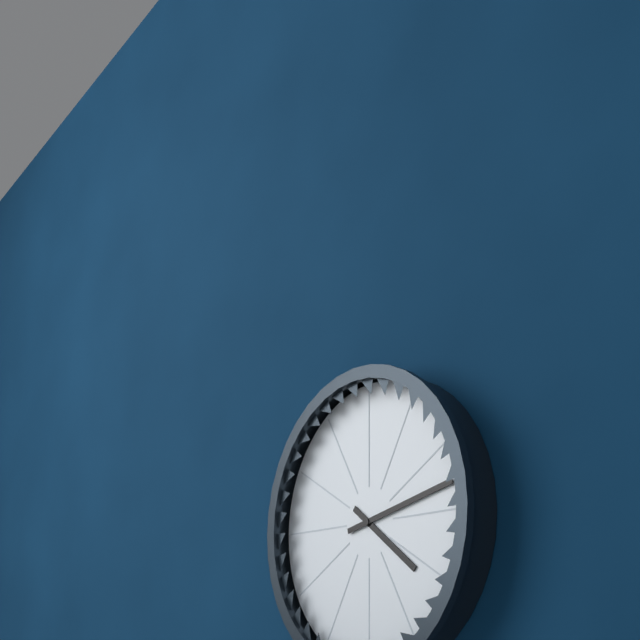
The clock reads 4.13
